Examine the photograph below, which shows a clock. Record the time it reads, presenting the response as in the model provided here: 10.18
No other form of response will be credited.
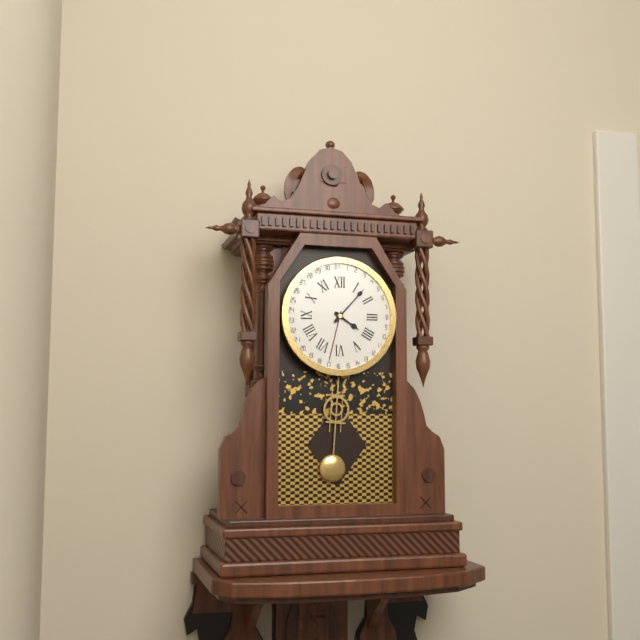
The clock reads 4.07
